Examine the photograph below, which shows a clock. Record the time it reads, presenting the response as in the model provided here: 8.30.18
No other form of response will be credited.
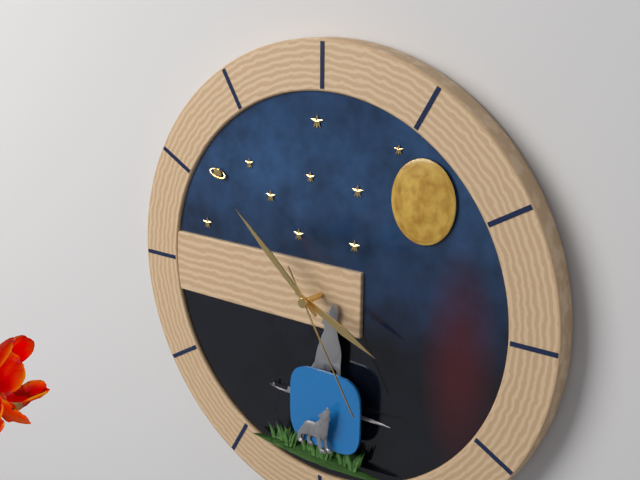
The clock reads 3.52.25
